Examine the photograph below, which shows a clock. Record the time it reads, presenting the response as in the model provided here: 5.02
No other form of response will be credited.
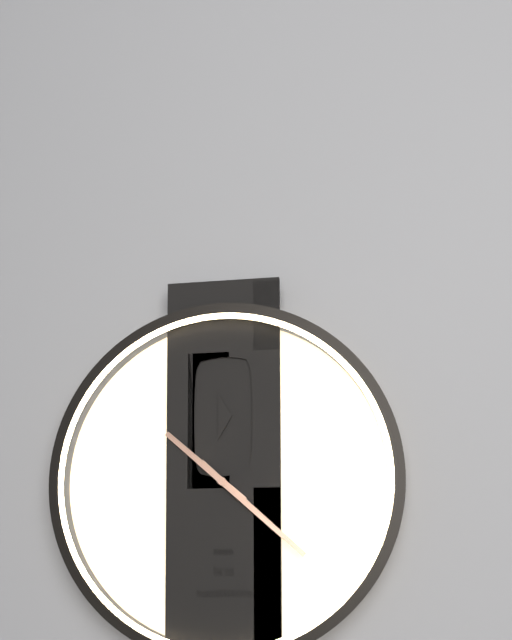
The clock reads 10.22
